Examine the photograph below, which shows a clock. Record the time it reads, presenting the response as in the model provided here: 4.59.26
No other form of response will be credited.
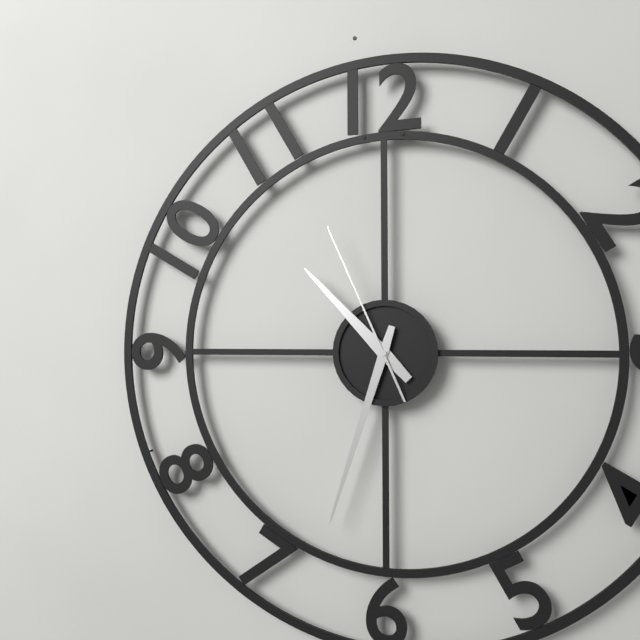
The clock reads 10.33.56
